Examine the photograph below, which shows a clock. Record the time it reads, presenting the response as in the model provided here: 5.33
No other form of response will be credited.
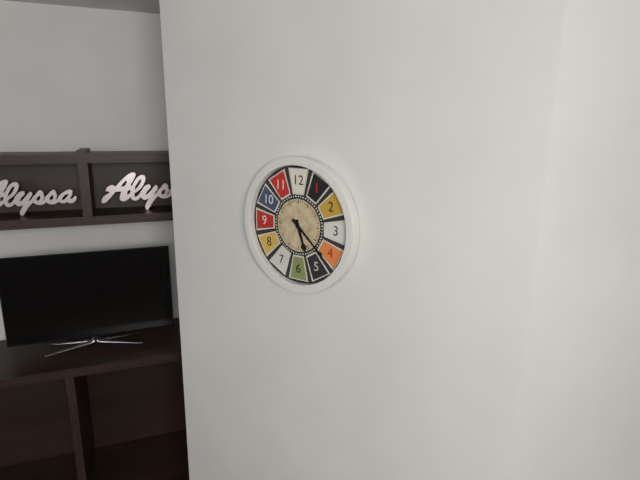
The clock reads 5.22
